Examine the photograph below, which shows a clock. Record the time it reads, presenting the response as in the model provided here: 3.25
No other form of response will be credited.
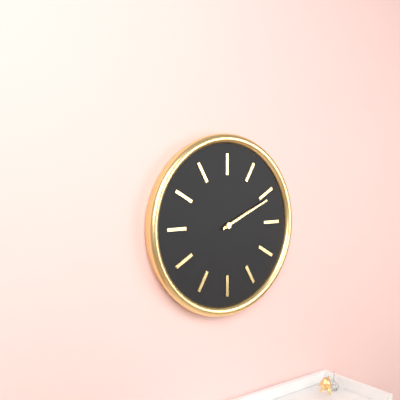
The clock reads 2.11
